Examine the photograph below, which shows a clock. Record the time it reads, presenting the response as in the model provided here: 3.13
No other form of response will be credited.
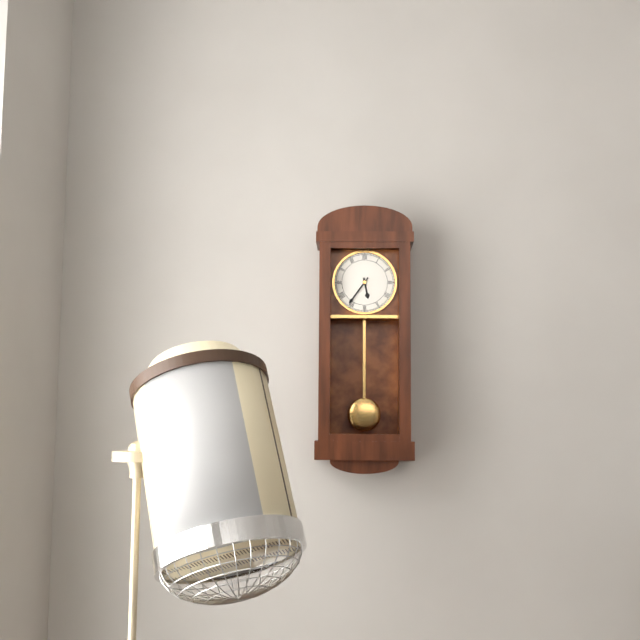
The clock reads 5.36
